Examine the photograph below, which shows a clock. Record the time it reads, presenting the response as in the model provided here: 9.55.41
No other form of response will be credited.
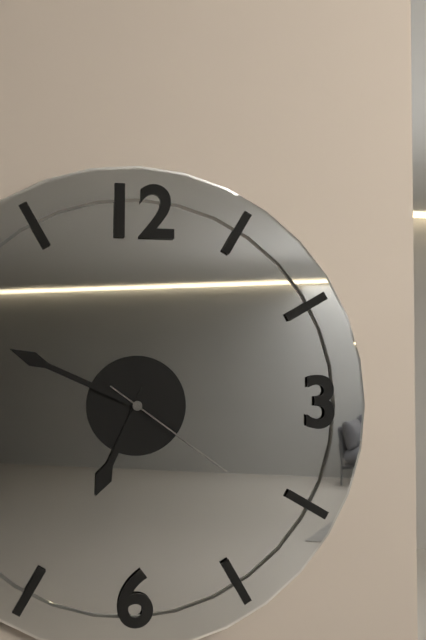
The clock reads 6.49.21
